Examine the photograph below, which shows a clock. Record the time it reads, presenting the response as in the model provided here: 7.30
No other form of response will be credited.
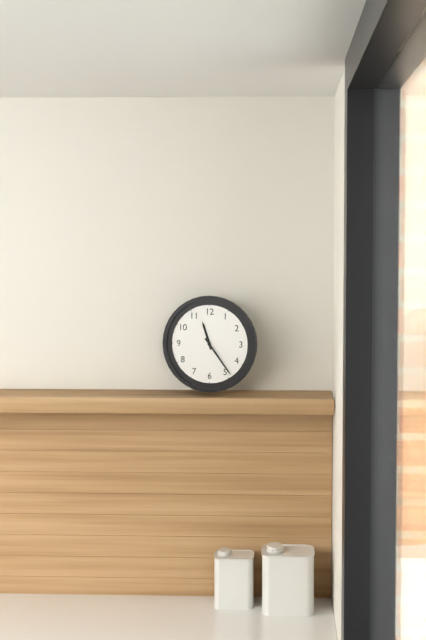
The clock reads 11.24
